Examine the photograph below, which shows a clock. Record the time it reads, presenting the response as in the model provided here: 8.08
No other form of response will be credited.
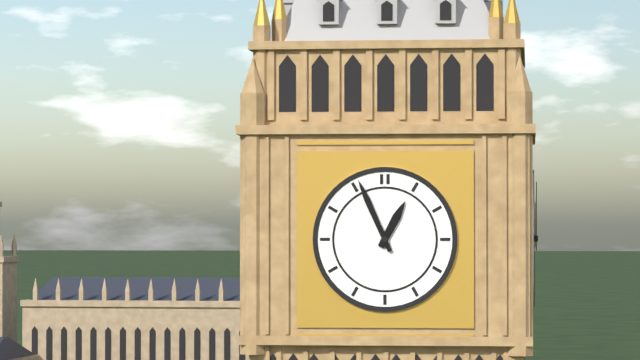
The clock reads 12.56
